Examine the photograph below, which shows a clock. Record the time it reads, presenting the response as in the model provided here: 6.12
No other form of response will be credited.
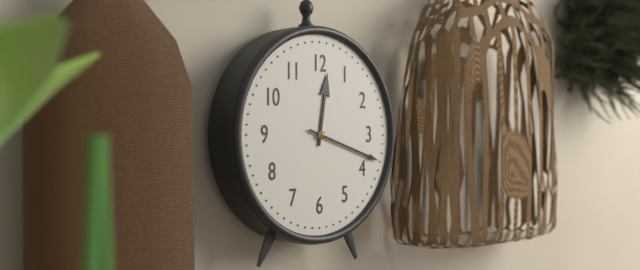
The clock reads 12.18
